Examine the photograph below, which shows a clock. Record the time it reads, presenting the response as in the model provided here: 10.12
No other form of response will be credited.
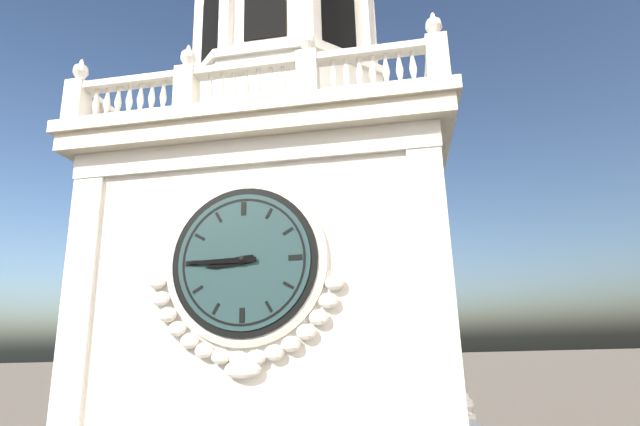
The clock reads 8.45
